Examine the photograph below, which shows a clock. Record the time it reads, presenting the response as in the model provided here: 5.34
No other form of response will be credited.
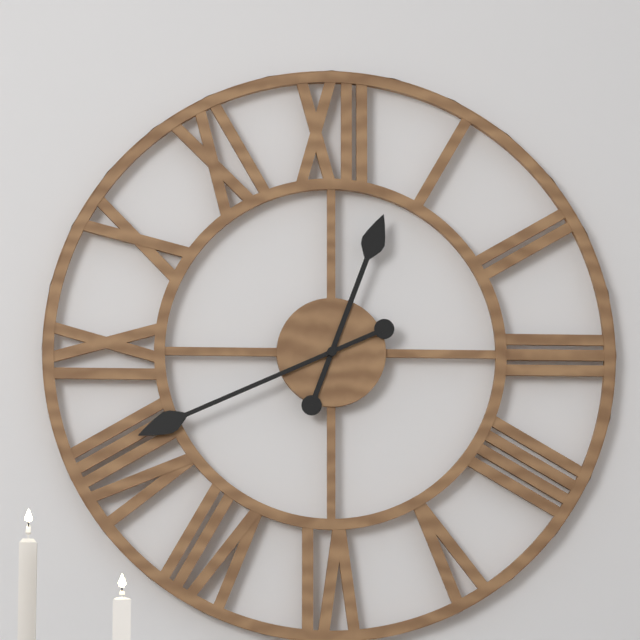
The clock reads 12.41
